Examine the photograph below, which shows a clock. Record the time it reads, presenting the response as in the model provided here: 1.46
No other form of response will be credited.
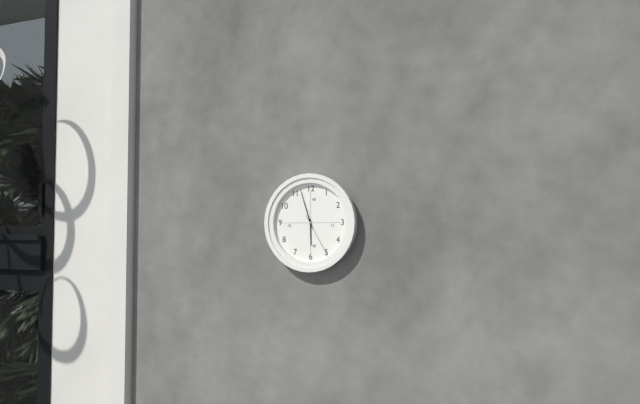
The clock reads 5.57
